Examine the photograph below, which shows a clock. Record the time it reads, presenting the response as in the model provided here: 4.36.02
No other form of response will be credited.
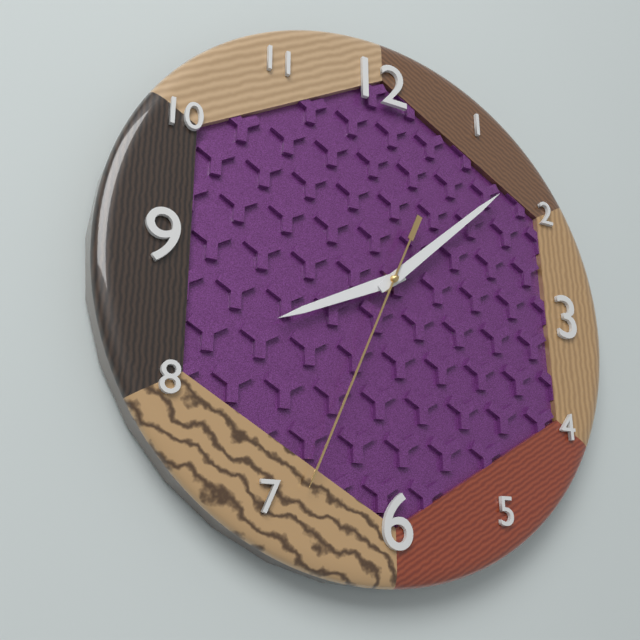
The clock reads 8.08.34
